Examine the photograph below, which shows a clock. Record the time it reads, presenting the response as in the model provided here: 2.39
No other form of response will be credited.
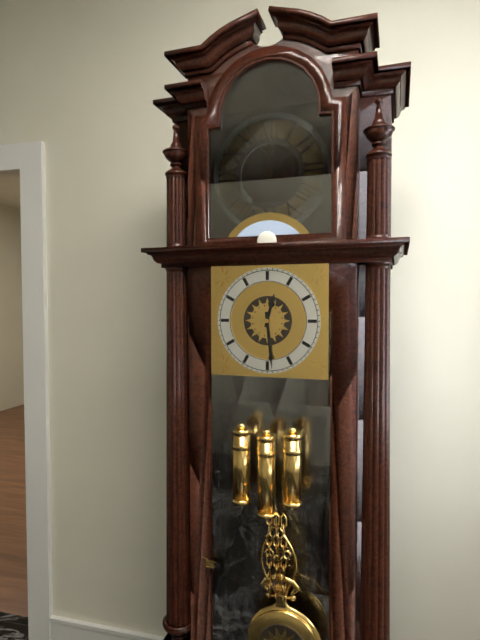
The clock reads 12.29
